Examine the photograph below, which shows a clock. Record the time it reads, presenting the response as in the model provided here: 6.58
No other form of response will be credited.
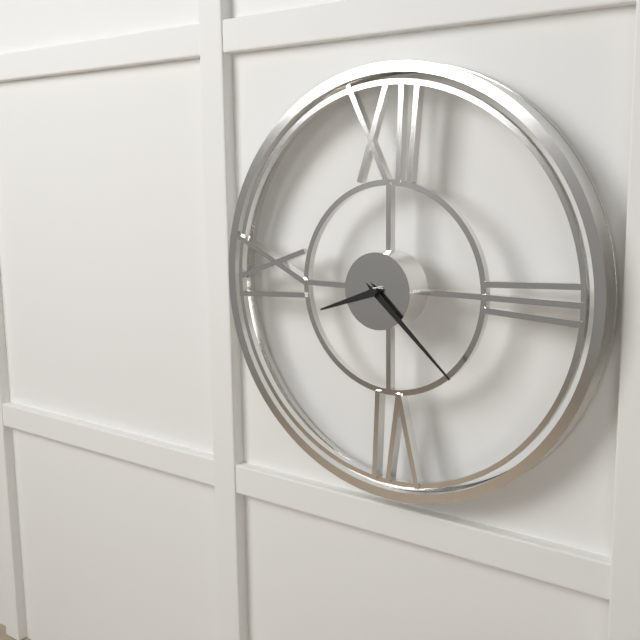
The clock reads 8.22
